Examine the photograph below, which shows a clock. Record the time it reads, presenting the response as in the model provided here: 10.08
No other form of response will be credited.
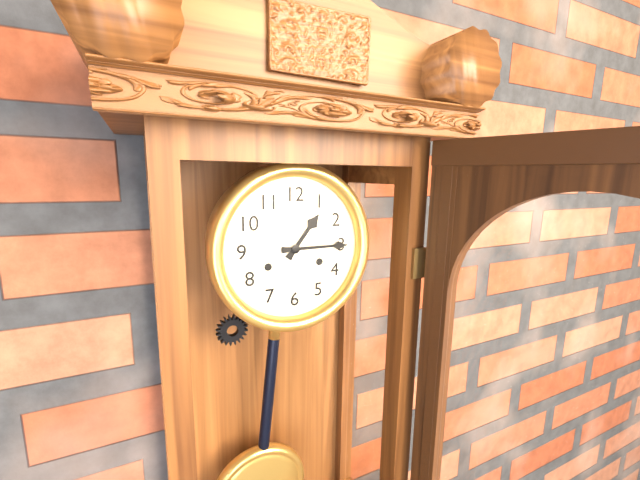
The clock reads 1.15
